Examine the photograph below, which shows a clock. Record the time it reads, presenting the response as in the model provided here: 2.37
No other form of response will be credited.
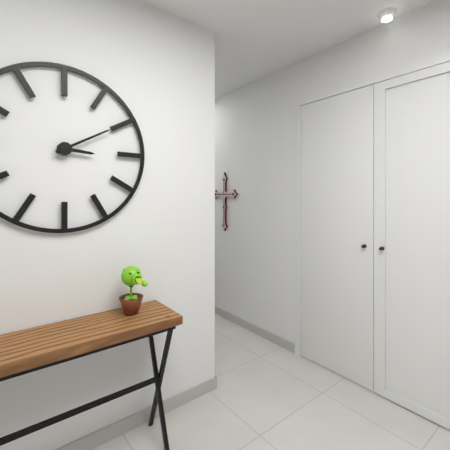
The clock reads 3.10
